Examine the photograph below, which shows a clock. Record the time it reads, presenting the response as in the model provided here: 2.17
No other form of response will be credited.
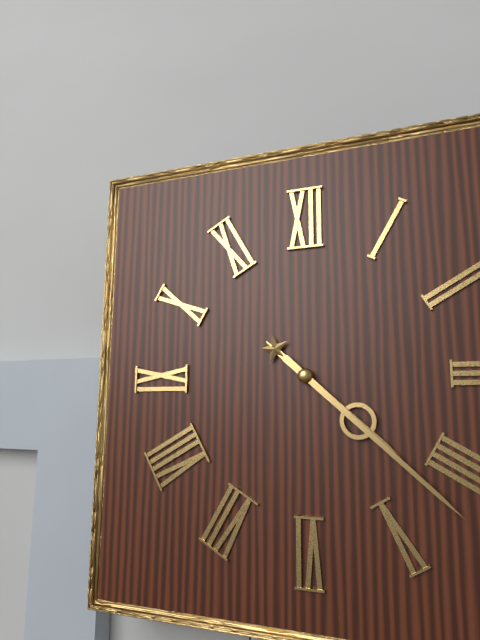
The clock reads 4.22
